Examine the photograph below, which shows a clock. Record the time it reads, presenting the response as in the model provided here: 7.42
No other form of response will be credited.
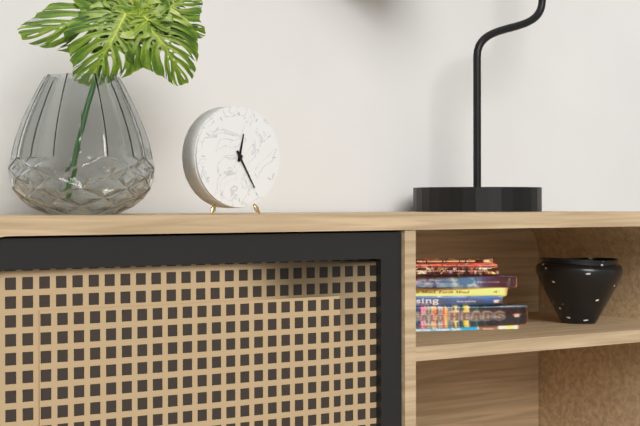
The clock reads 12.25
